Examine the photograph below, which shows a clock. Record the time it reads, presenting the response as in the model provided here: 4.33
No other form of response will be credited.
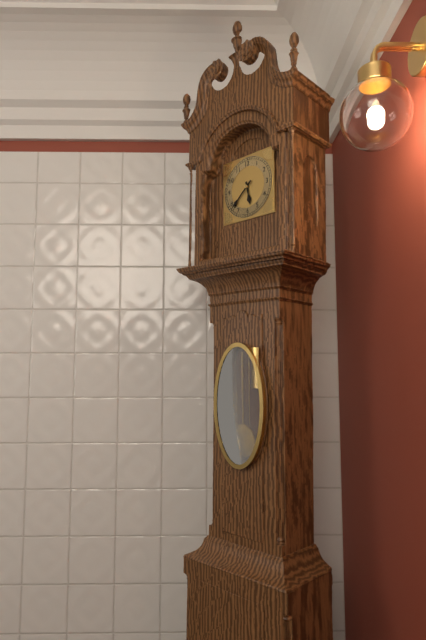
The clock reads 5.38
